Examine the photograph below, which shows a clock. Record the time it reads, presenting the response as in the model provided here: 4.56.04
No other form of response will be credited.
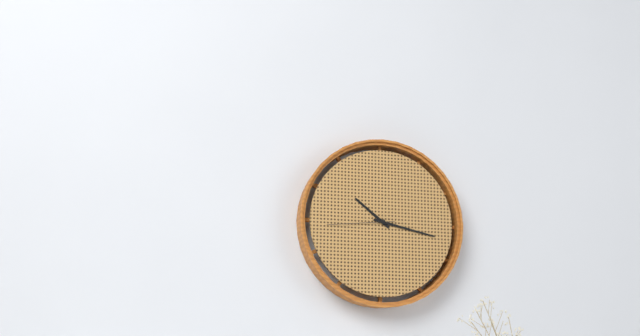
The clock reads 10.17.44
